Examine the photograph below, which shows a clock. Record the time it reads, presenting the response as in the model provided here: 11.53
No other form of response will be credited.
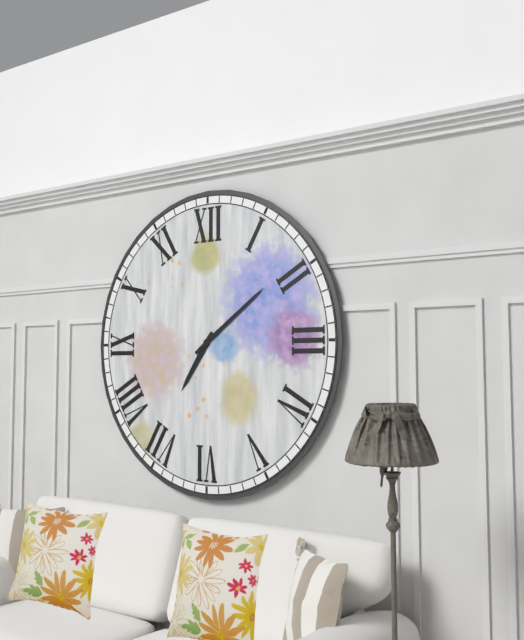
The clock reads 7.09
